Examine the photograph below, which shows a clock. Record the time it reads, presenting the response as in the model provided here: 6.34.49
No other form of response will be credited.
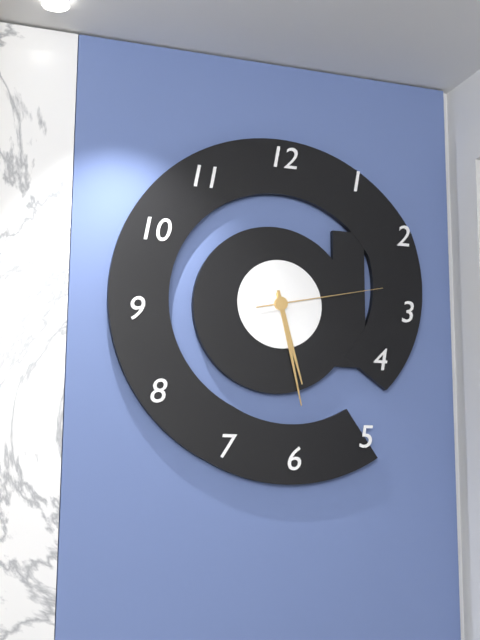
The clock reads 5.28.13
